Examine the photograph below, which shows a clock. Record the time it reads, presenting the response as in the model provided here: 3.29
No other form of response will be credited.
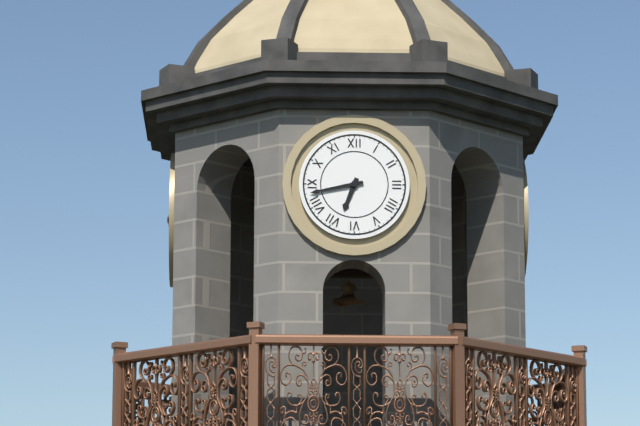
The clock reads 6.43
